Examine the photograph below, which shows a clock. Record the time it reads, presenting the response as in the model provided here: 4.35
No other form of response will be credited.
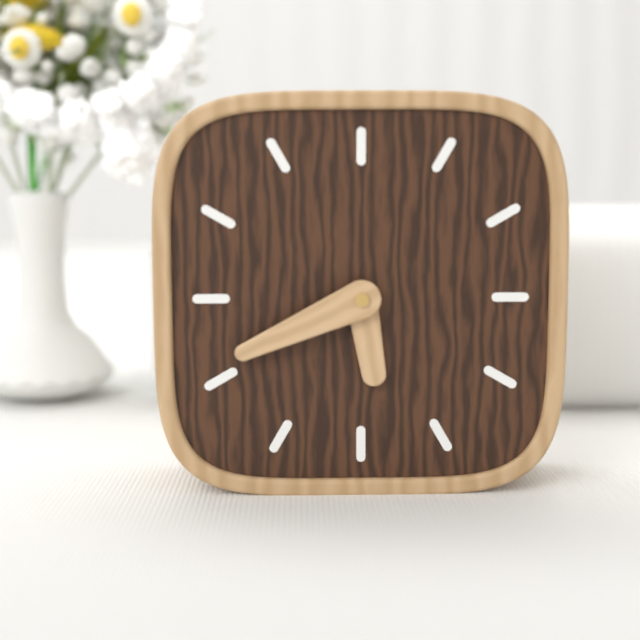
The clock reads 5.41
